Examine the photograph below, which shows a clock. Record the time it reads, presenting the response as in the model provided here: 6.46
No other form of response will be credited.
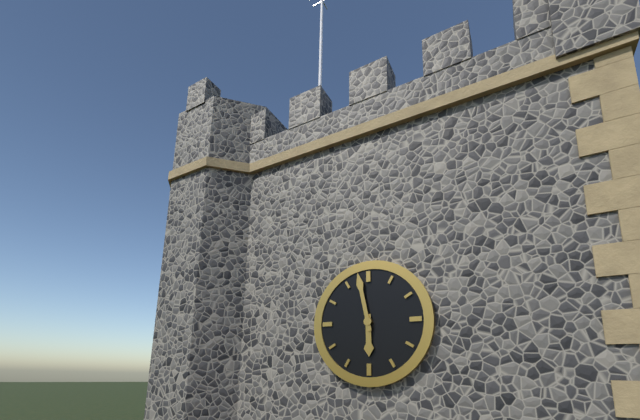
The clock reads 5.58
